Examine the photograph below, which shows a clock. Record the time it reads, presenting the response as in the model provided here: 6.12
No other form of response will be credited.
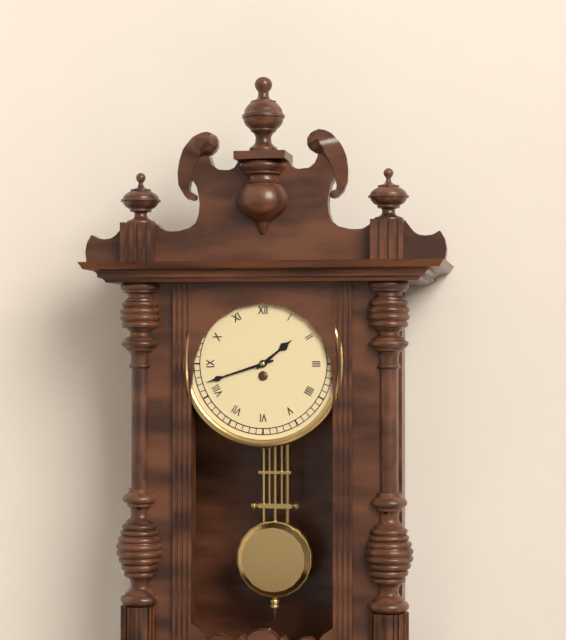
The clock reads 1.42
